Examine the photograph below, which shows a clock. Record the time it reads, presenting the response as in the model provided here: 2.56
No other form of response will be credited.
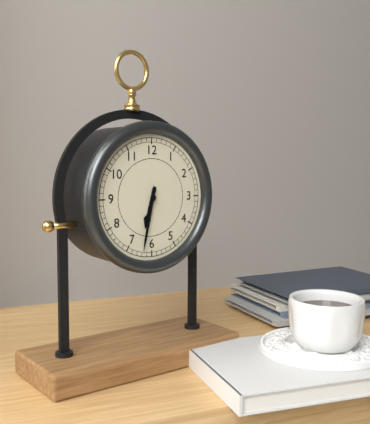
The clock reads 6.32
